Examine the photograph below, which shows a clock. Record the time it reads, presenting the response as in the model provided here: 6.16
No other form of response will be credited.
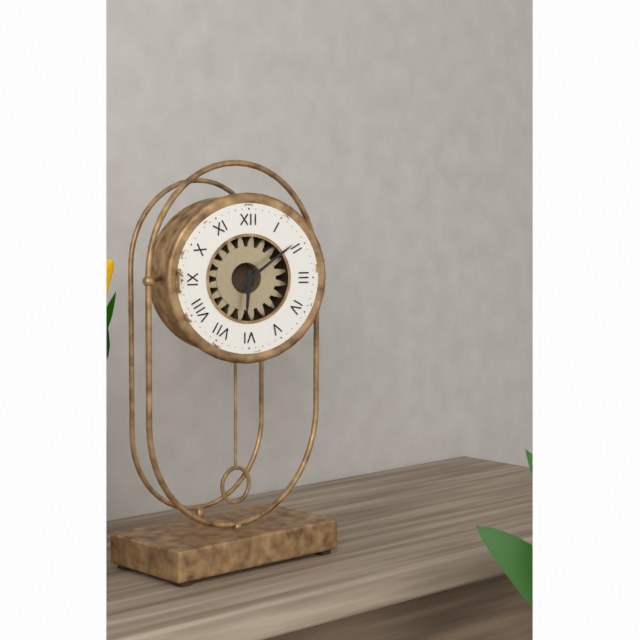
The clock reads 6.09
